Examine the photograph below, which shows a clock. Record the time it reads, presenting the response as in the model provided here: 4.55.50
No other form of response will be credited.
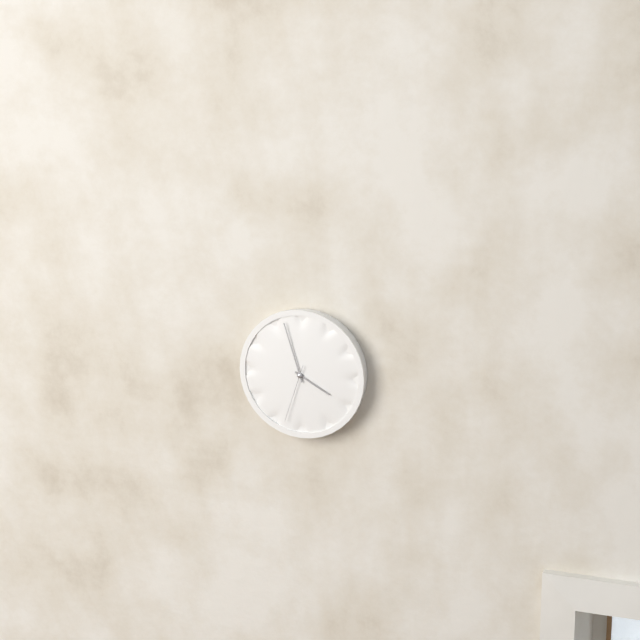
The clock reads 3.57.33
